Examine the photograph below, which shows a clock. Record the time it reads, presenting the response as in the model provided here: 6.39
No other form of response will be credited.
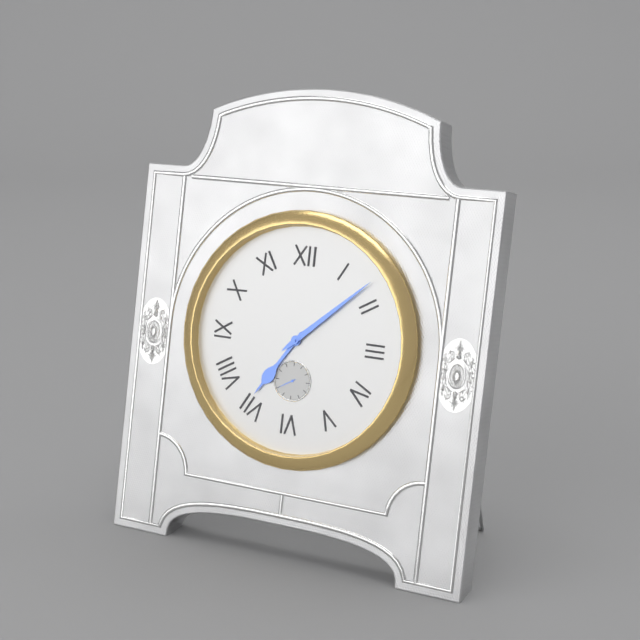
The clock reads 7.08
